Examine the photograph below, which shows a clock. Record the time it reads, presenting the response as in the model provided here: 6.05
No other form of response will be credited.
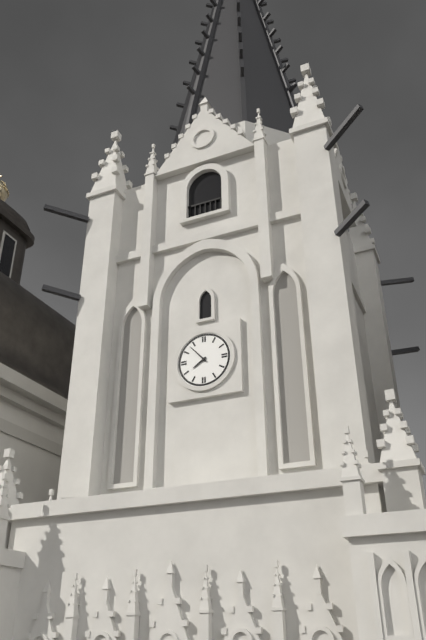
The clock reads 7.53
